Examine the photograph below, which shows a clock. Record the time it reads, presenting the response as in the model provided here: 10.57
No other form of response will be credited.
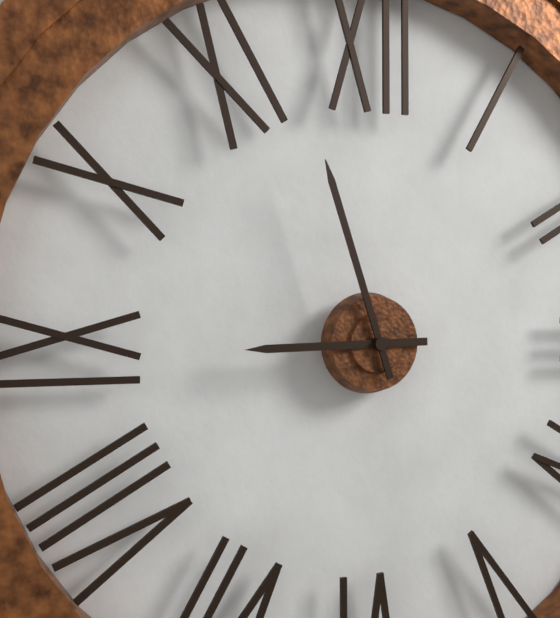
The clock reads 8.57
